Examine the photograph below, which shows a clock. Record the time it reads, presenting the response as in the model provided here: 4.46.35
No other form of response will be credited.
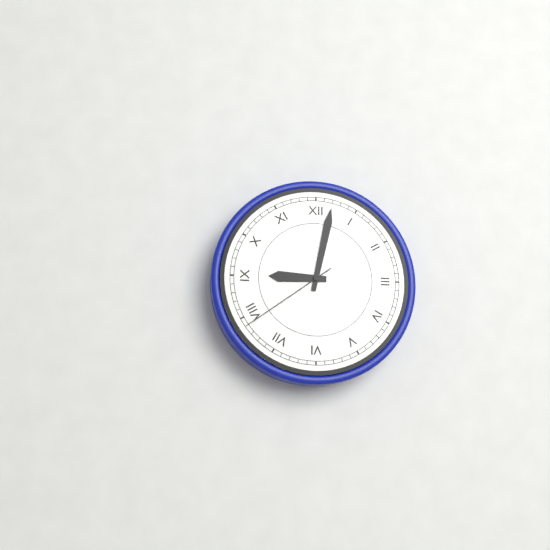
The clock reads 9.02.39
